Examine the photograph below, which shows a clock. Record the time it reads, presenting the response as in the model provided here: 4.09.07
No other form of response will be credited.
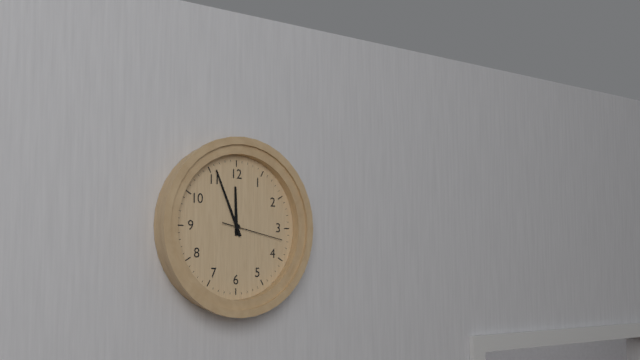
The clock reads 11.56.17
